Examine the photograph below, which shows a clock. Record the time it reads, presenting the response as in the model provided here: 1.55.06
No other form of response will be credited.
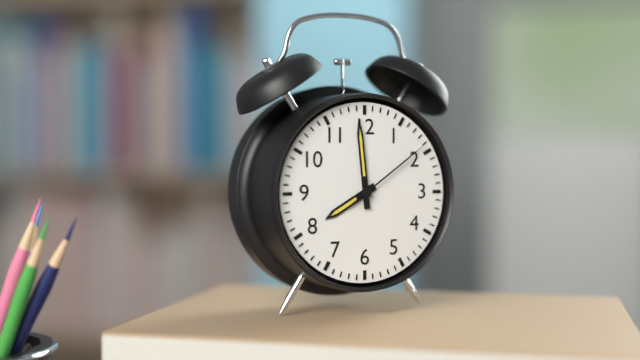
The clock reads 7.59.09
